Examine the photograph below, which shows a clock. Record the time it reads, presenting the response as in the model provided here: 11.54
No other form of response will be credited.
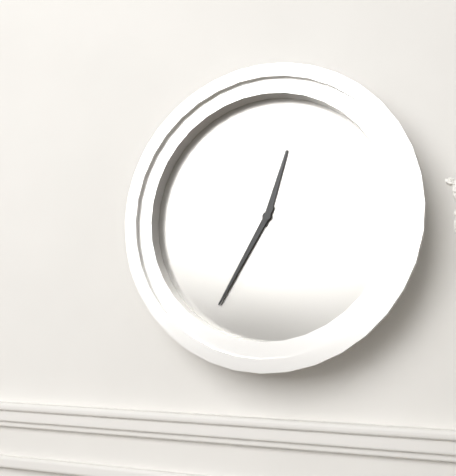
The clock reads 12.35
